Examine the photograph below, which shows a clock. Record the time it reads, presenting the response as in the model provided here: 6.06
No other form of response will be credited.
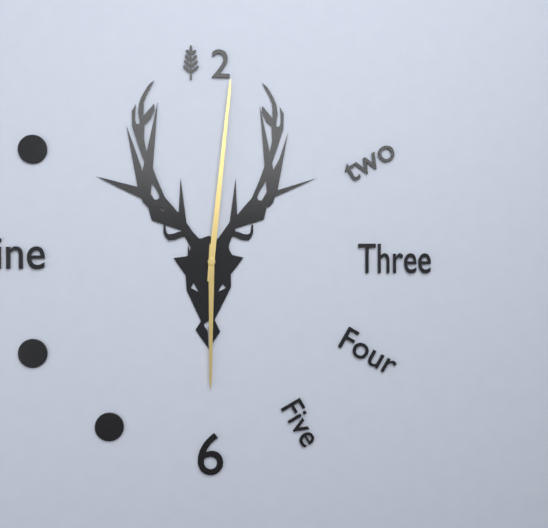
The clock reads 6.01
